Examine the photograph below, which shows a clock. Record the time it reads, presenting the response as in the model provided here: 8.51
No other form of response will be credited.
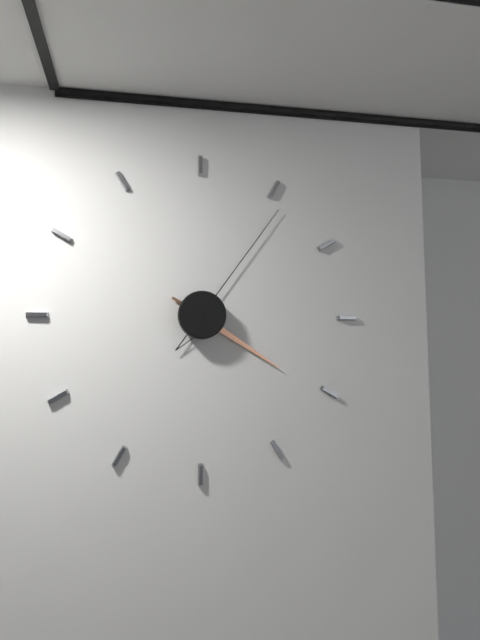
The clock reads 4.06
